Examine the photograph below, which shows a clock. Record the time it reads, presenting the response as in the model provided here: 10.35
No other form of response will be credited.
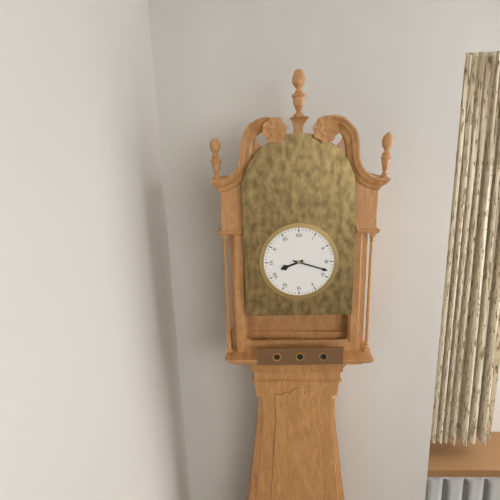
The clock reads 8.18
